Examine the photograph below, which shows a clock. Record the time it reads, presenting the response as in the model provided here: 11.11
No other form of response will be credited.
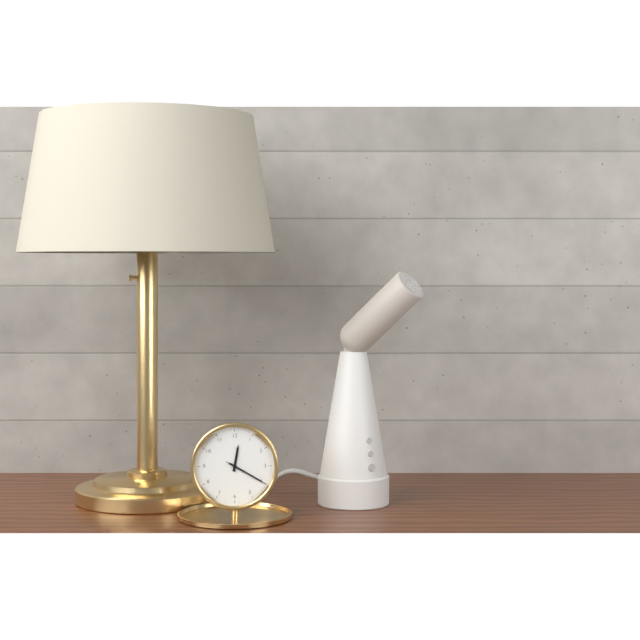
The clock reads 12.20
